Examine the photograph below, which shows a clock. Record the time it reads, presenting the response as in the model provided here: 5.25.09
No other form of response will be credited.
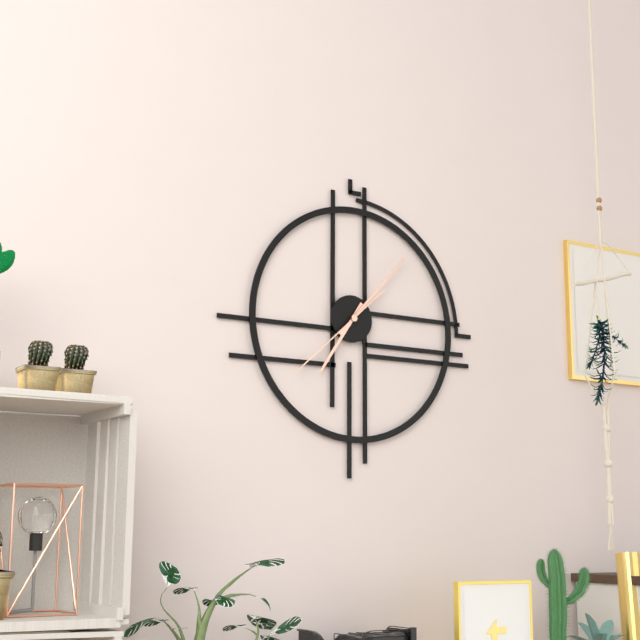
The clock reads 7.07.38
